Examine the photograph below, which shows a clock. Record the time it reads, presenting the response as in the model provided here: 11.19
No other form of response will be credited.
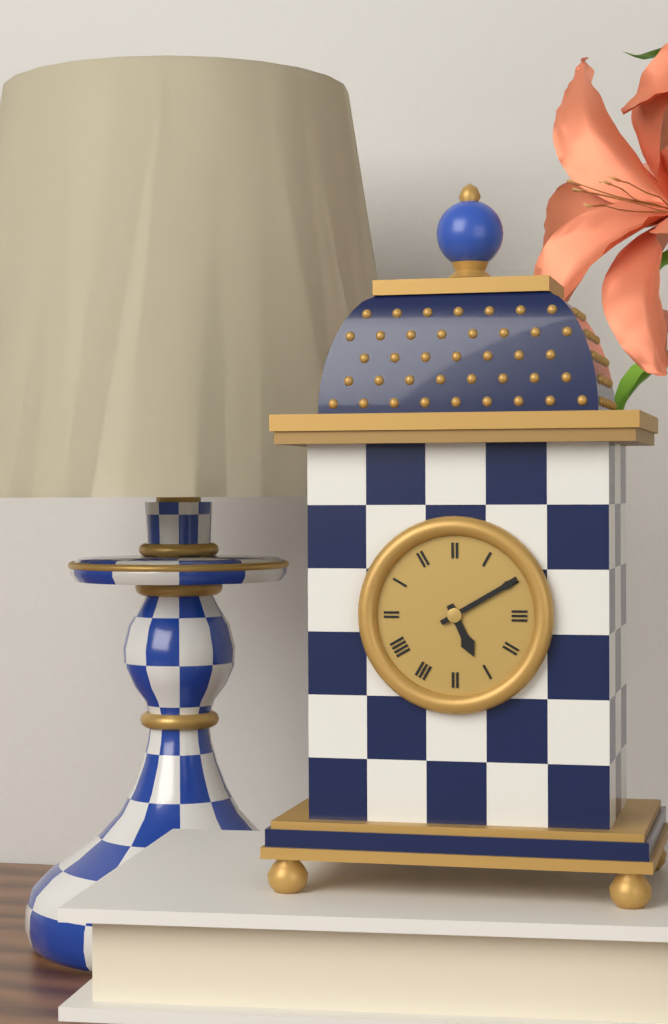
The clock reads 5.10
